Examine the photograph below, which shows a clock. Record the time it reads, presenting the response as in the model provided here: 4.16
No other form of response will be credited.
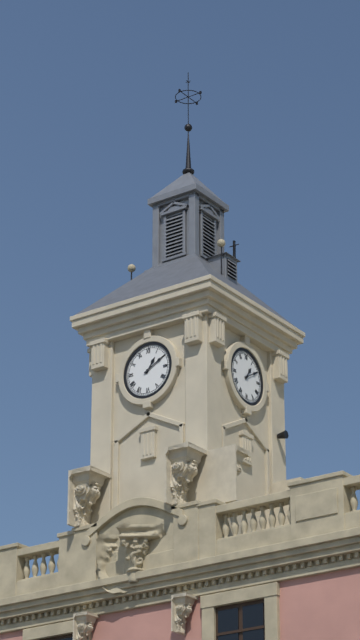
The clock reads 1.10
